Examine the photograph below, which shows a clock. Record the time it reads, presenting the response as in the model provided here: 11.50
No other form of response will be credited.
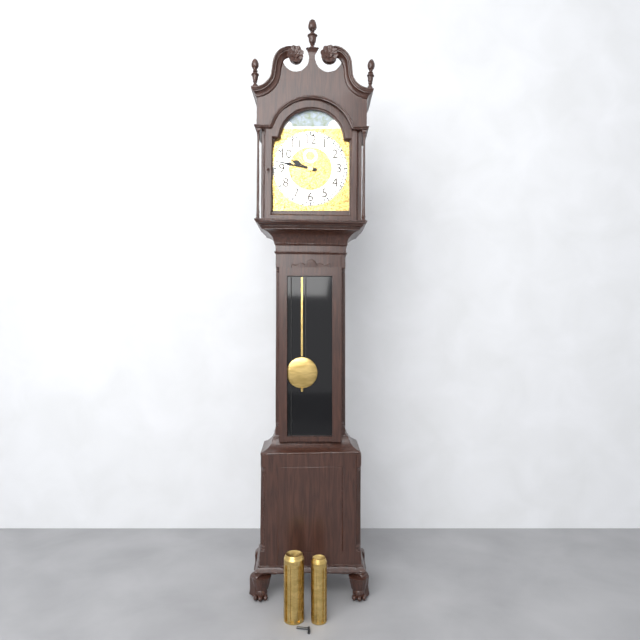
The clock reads 9.47
